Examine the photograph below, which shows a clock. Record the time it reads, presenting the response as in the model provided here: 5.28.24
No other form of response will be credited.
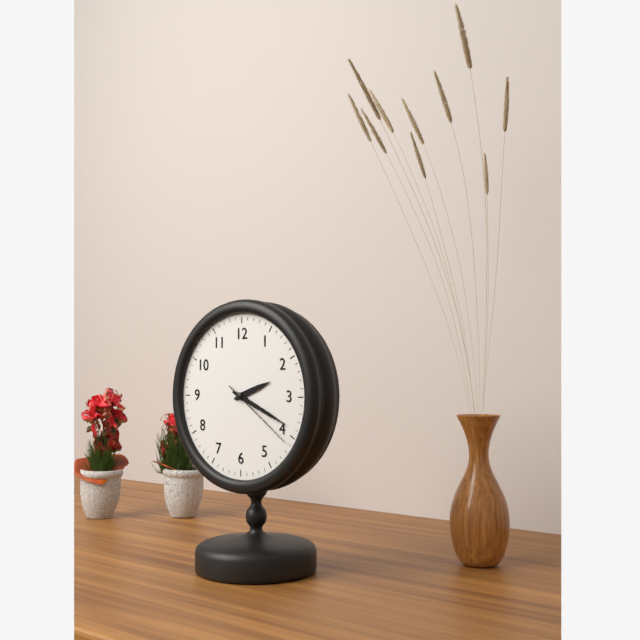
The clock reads 2.19.21
